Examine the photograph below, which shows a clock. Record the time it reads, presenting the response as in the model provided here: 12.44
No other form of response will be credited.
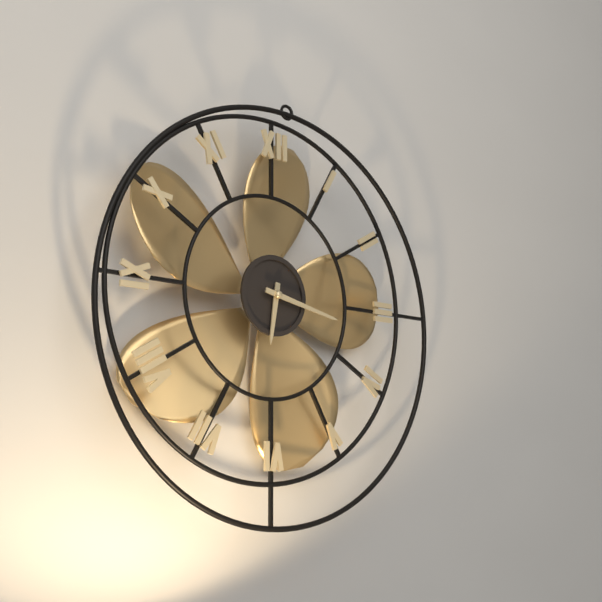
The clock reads 6.17
